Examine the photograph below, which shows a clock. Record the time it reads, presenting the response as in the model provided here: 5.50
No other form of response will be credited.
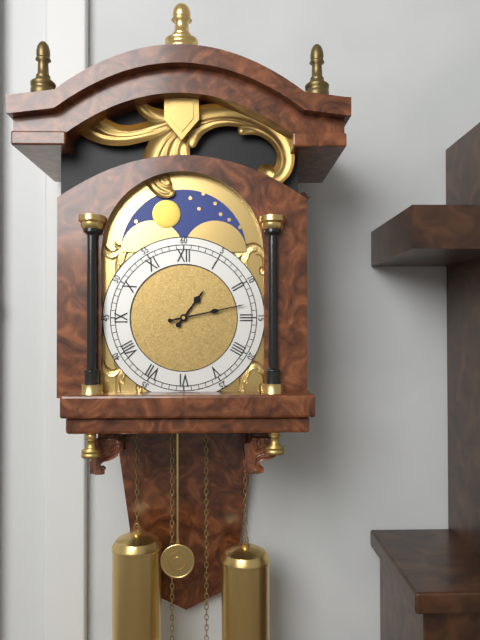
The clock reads 1.13
